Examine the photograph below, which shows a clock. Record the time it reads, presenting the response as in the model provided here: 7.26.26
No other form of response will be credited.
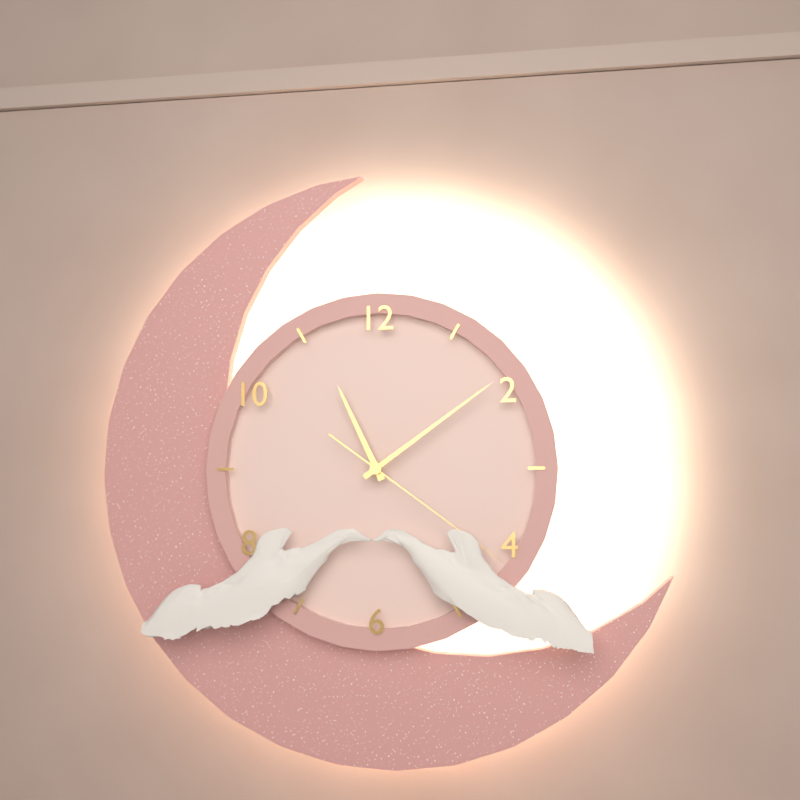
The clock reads 11.09.21
